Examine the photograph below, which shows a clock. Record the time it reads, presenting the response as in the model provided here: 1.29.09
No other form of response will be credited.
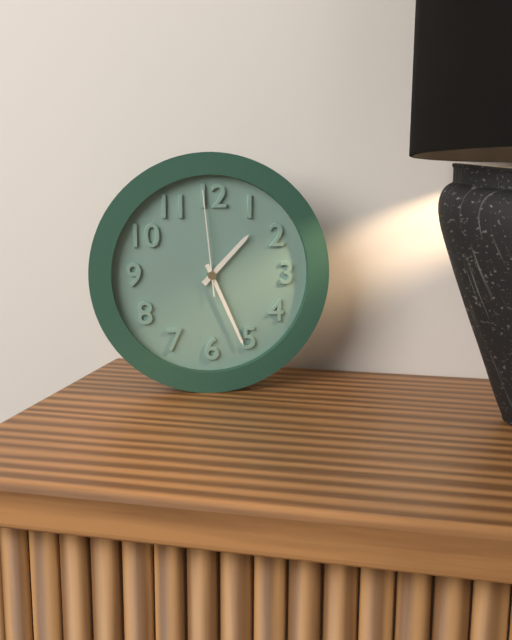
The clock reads 1.26.59
